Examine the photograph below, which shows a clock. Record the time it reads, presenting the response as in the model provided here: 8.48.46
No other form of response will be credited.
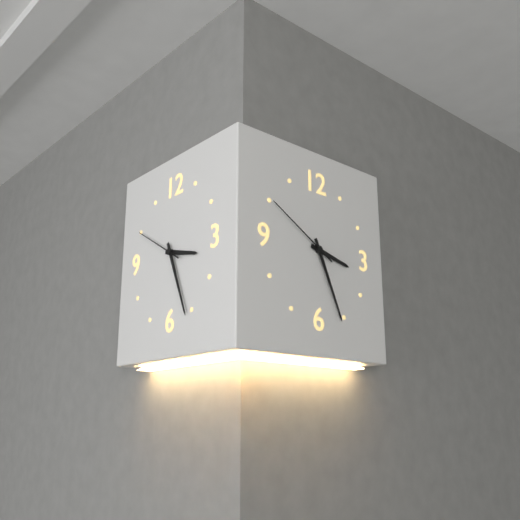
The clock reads 3.26.50
